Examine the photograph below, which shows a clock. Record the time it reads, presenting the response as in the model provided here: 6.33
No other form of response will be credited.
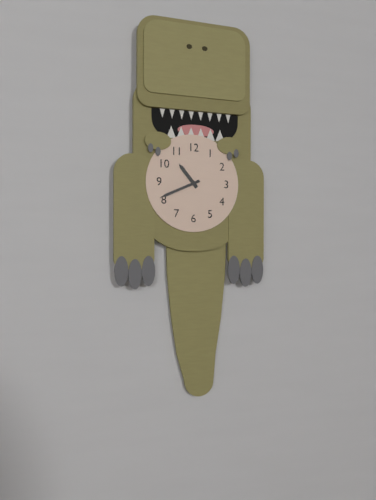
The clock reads 10.41
